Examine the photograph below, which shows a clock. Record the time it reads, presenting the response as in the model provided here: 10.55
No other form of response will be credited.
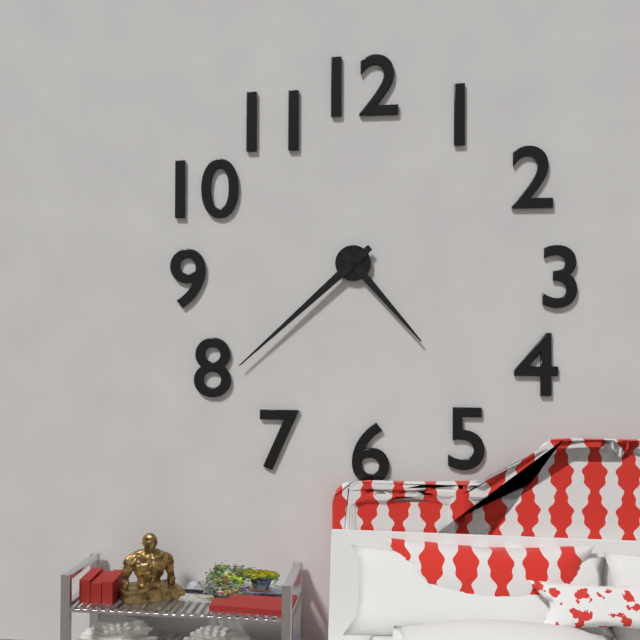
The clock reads 4.38
